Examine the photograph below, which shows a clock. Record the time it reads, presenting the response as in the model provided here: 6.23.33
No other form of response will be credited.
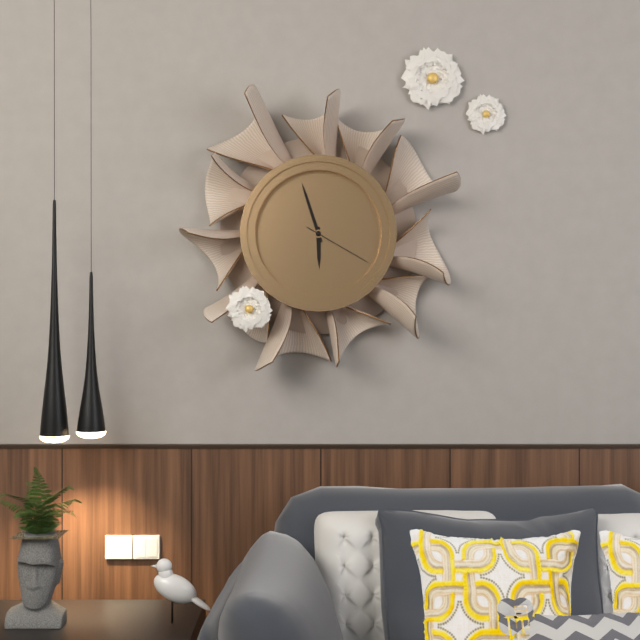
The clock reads 5.57.20
